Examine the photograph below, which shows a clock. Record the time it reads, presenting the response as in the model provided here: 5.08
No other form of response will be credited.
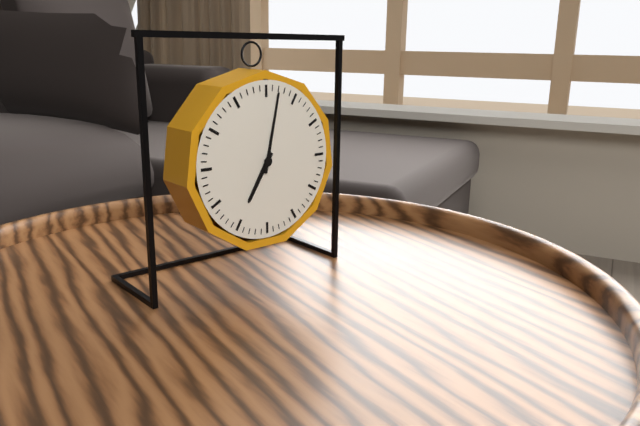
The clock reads 7.02
